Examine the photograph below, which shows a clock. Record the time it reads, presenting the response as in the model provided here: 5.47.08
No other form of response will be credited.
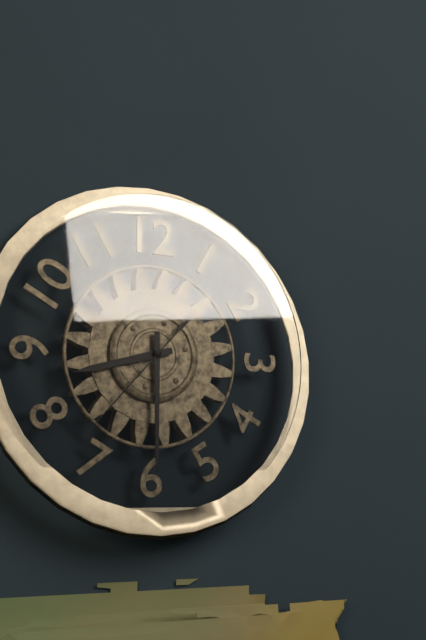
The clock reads 8.30.37
